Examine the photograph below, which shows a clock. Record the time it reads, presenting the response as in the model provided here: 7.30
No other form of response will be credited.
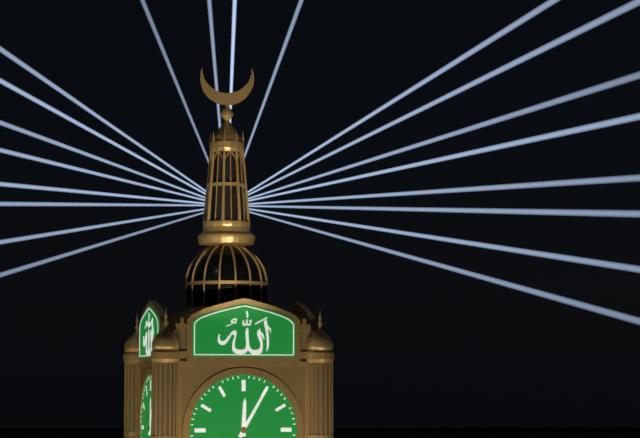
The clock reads 12.05
